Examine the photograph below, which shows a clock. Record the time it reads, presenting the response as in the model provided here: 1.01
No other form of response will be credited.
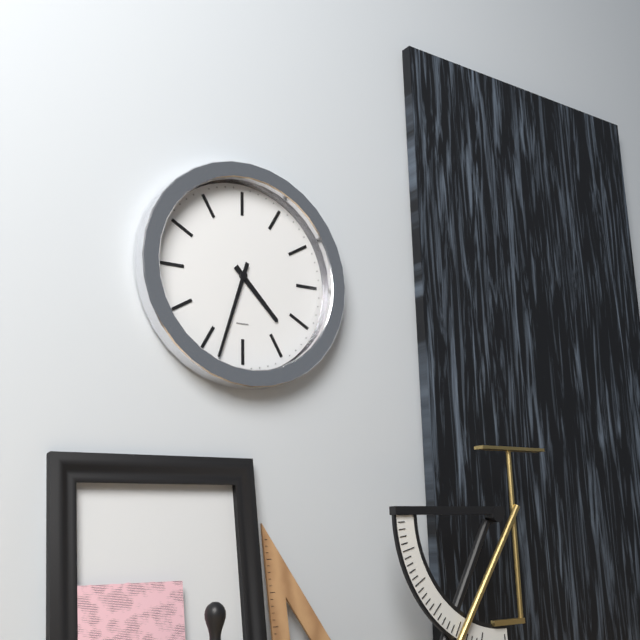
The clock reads 4.33
